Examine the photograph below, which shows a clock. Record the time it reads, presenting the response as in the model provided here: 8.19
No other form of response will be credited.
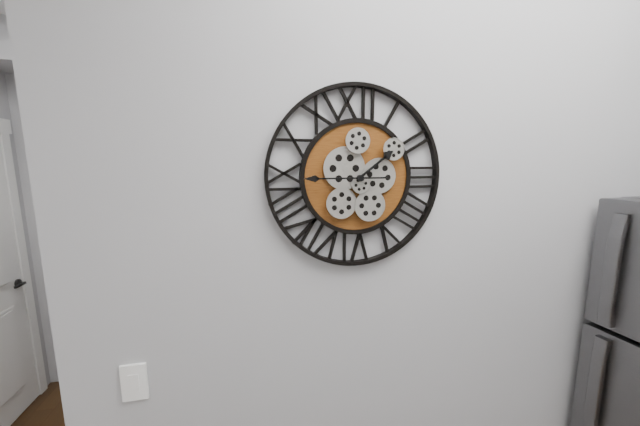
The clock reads 1.45
